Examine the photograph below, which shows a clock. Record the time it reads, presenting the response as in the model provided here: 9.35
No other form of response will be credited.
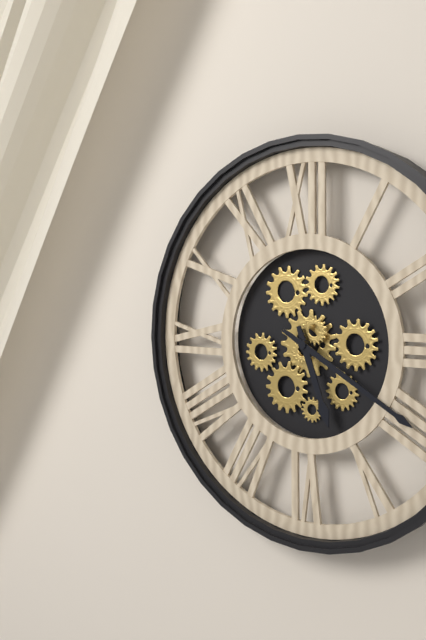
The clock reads 5.20
